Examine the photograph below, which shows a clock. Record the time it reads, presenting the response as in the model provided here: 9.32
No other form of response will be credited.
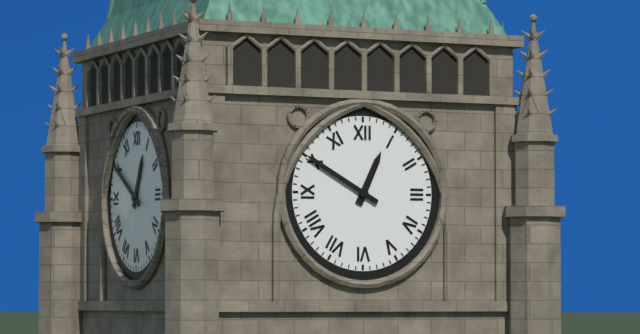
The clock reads 12.50
